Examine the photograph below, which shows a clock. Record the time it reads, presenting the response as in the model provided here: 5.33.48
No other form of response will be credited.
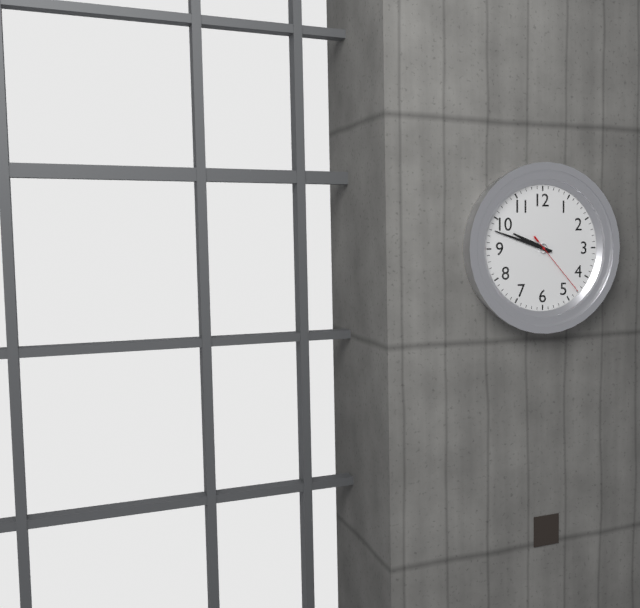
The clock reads 9.48.23
